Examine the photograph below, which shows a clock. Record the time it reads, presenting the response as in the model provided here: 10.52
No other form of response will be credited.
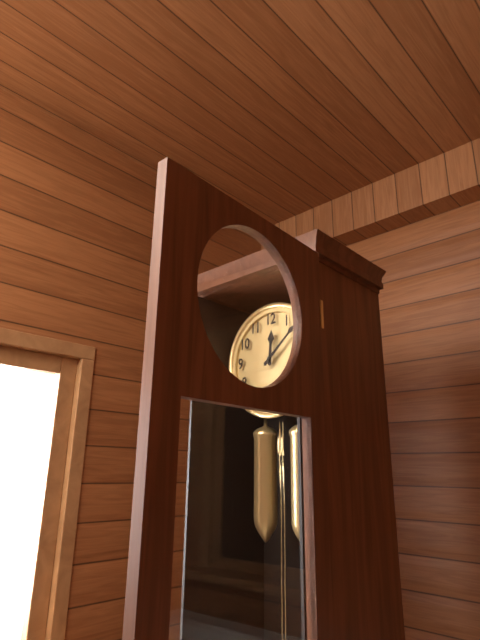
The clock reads 12.08
